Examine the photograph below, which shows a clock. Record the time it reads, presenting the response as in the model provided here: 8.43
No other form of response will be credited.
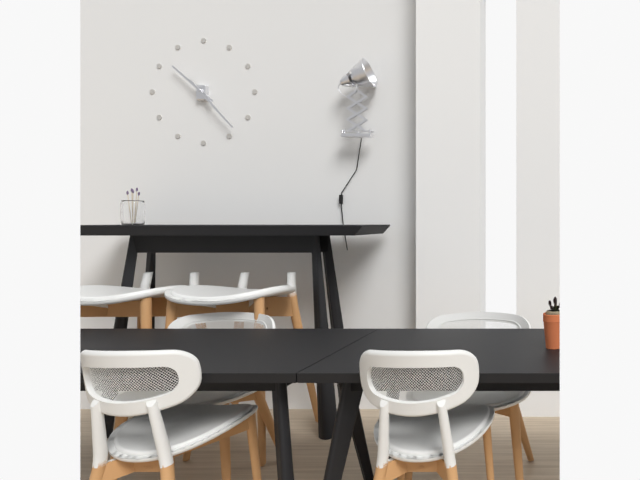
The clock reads 10.23
